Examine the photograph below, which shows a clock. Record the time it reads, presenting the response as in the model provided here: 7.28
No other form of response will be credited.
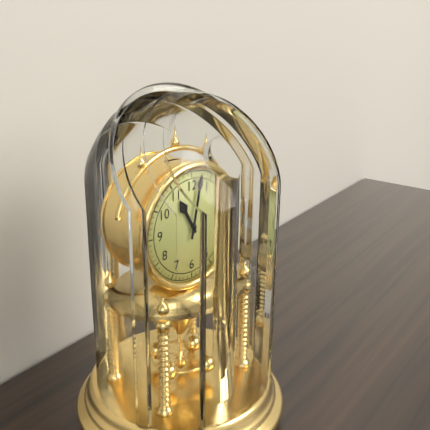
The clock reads 11.02
